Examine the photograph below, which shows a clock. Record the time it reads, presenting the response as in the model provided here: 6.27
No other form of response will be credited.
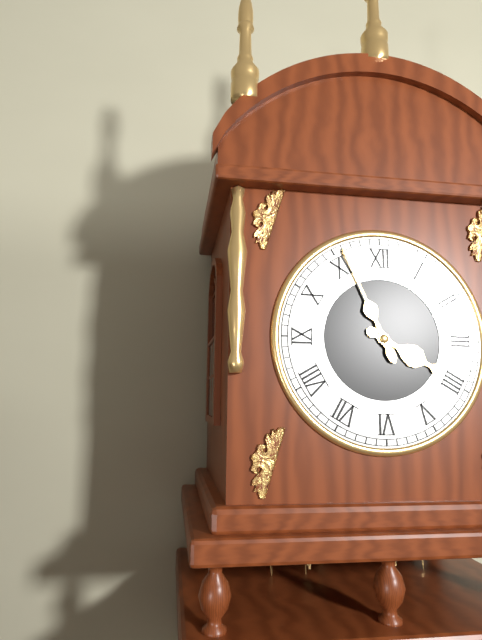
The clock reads 3.56
